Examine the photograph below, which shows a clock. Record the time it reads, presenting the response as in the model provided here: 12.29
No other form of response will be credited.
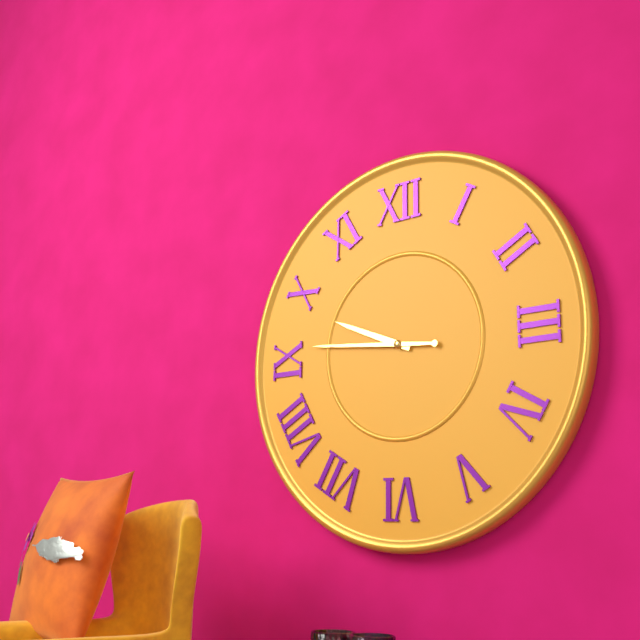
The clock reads 9.46
